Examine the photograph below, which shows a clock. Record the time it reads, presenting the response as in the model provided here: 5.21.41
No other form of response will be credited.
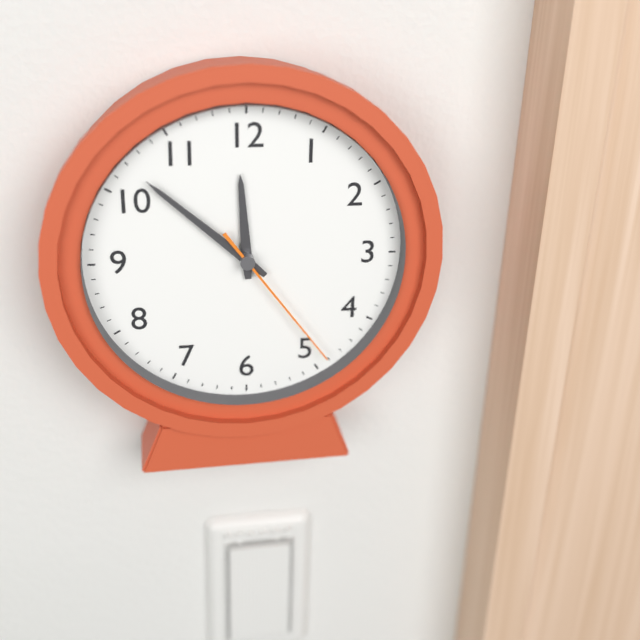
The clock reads 11.52.24
